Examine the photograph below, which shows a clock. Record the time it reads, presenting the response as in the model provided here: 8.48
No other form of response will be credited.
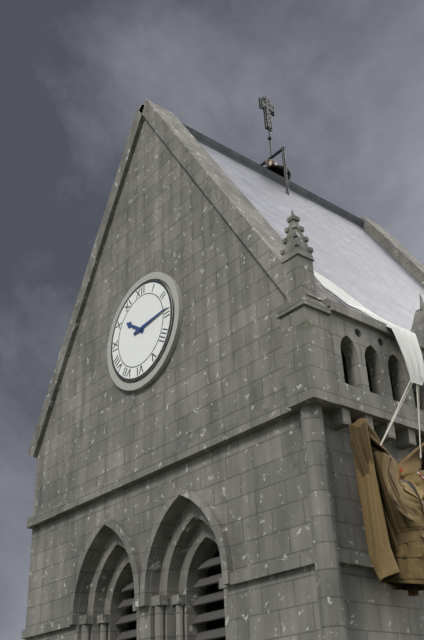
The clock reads 10.14
